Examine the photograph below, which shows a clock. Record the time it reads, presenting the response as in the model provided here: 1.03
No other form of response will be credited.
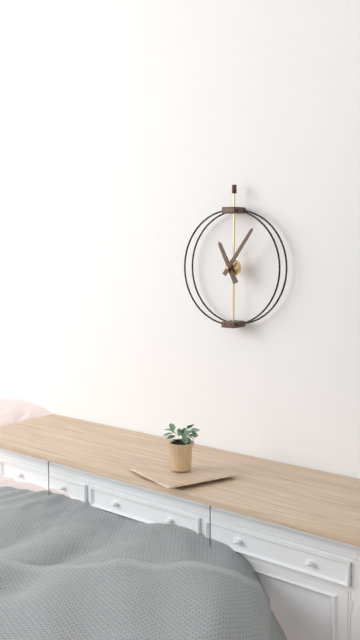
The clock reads 11.06
